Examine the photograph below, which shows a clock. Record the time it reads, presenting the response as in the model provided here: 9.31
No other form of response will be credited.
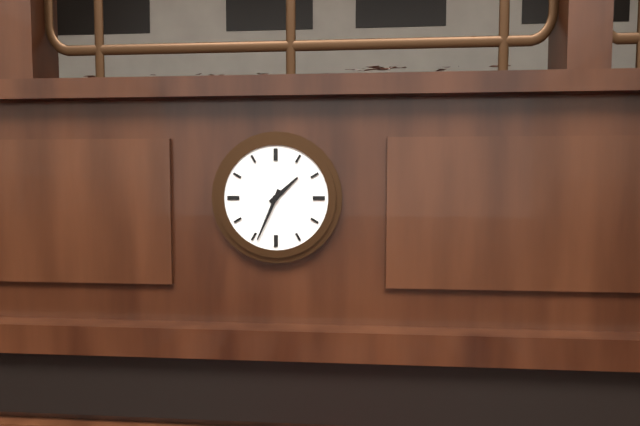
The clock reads 1.34
